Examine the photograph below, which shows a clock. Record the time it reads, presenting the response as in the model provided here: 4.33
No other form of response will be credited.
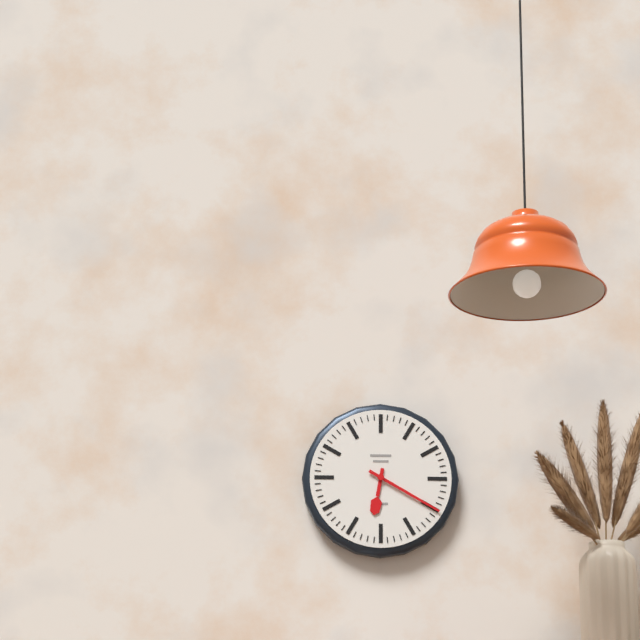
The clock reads 6.20
